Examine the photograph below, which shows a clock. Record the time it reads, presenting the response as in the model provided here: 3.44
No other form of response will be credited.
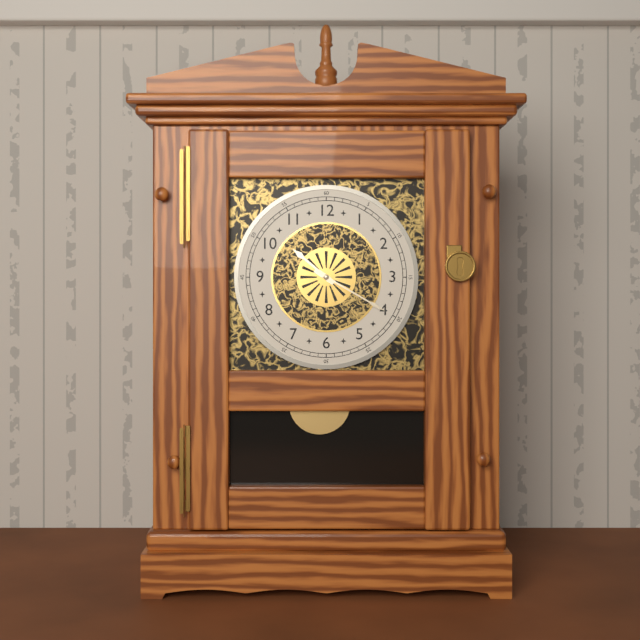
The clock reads 10.20
